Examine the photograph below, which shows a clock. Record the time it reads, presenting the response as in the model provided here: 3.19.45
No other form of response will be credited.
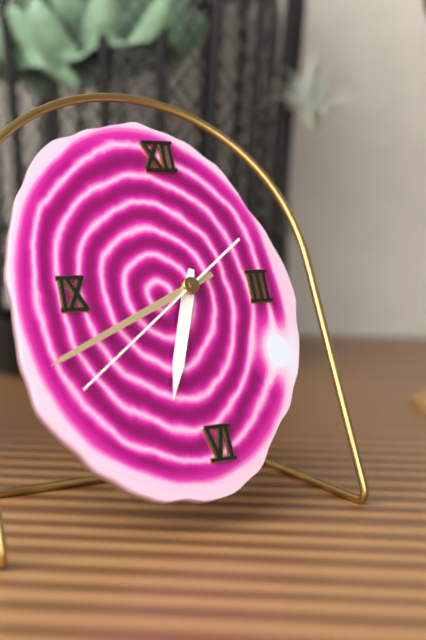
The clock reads 6.41.39
